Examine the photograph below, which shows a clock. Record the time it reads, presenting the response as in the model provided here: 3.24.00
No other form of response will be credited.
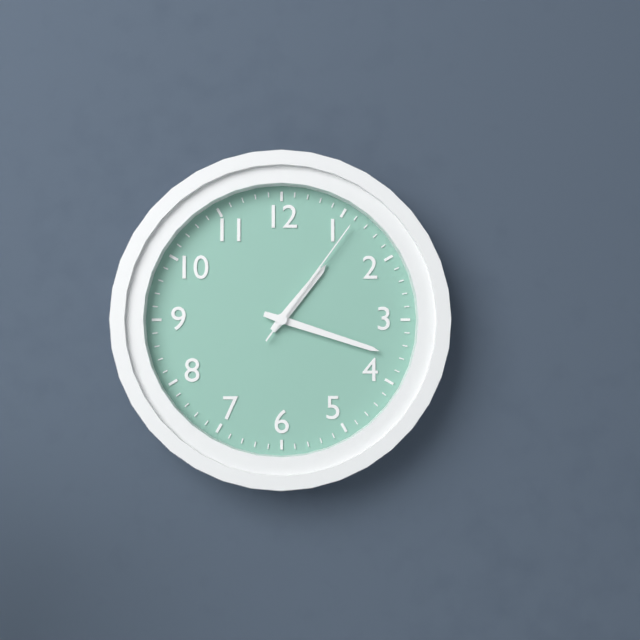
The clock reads 1.18.06
